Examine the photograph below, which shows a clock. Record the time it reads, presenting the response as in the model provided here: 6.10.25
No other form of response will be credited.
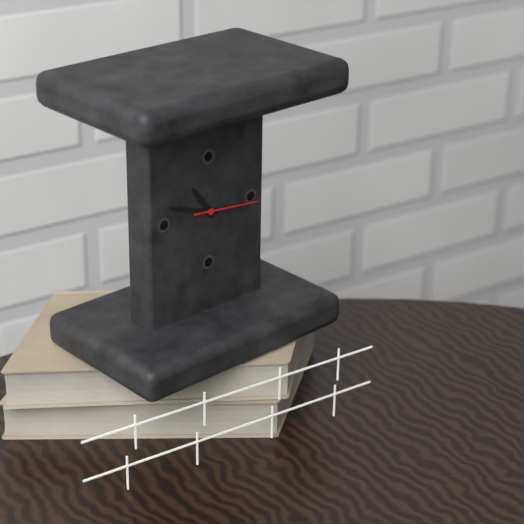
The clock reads 10.48.16
